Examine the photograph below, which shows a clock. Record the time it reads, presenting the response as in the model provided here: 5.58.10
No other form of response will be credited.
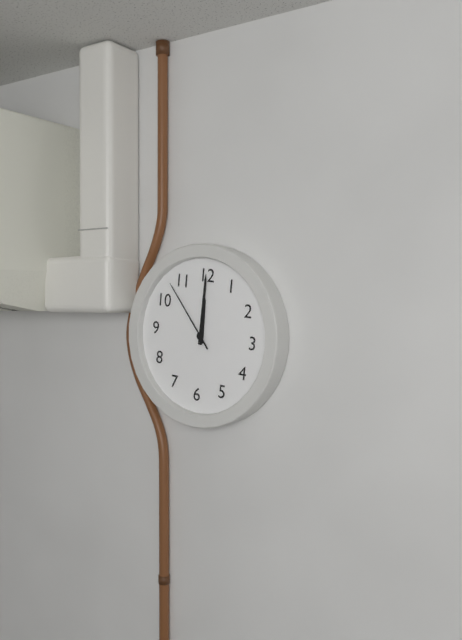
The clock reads 12.00.53
